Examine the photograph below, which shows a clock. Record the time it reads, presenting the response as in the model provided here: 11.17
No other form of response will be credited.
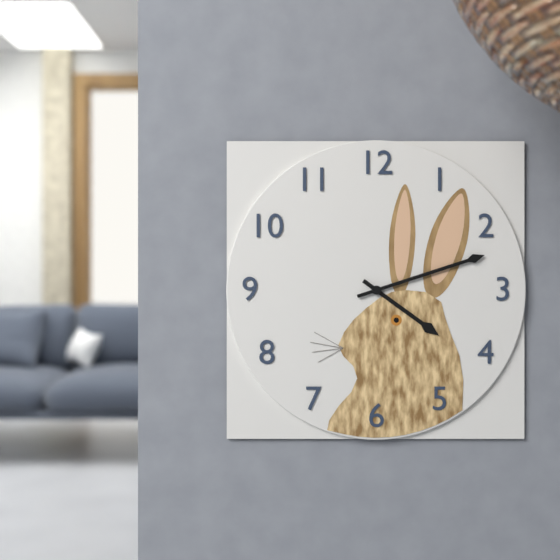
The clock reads 4.12
